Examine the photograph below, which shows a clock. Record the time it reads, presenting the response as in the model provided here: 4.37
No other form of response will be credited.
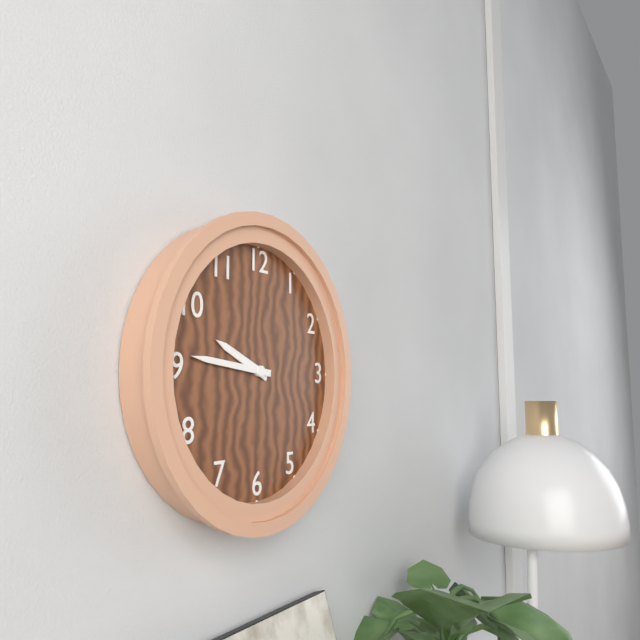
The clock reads 9.46
